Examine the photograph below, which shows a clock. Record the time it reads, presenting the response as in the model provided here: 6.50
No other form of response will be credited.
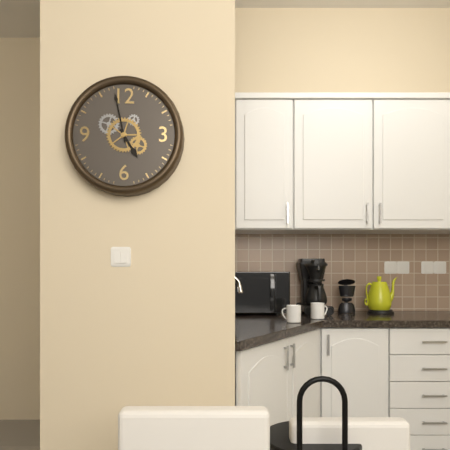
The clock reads 4.58
